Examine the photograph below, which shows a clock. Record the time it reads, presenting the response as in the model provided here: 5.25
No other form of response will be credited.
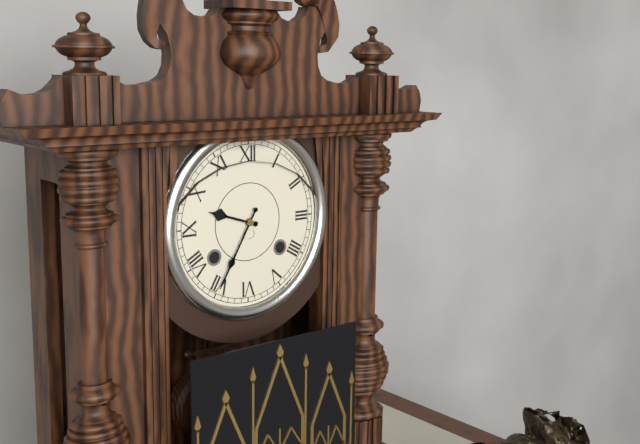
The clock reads 9.35
